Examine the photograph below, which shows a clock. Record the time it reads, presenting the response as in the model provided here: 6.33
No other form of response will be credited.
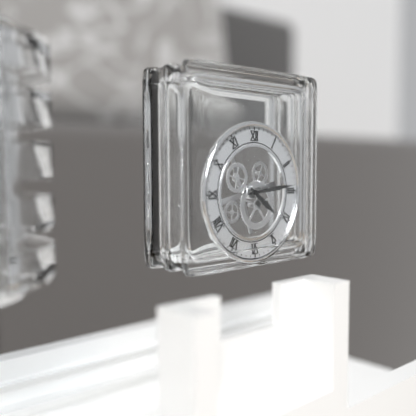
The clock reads 4.14
